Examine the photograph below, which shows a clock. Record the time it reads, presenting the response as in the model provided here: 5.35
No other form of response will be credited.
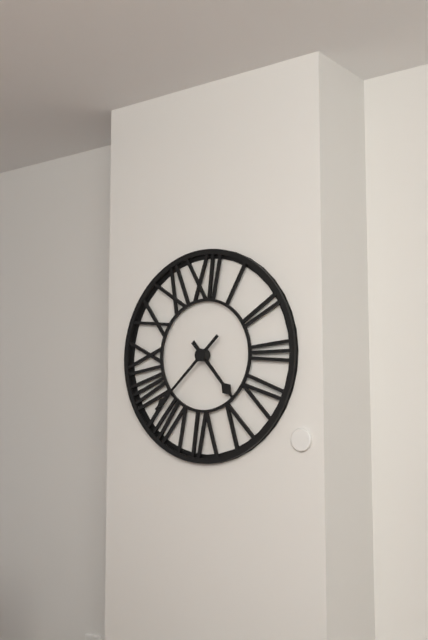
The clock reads 4.38
